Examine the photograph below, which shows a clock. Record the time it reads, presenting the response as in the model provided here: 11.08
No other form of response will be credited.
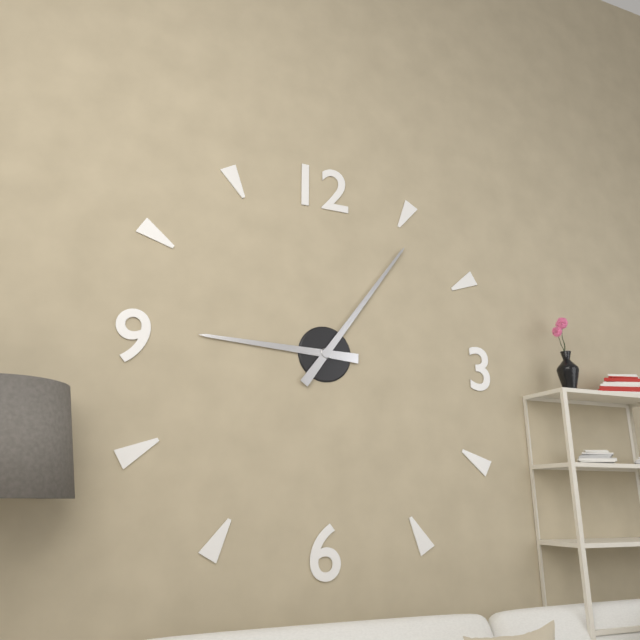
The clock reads 9.06
